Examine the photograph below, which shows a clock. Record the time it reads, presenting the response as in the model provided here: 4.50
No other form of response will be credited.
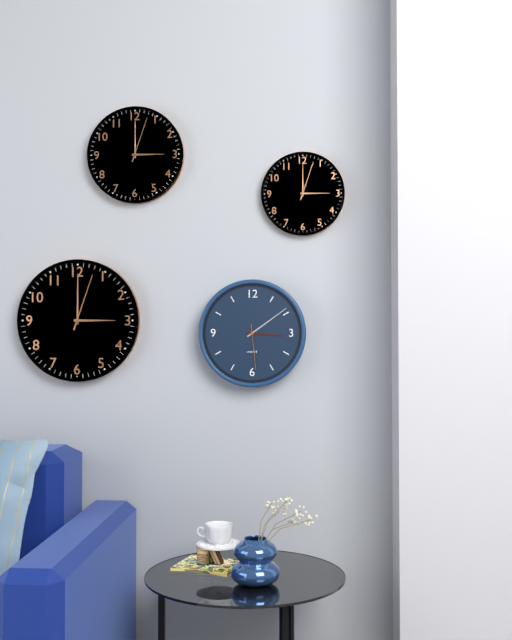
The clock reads 3.09
